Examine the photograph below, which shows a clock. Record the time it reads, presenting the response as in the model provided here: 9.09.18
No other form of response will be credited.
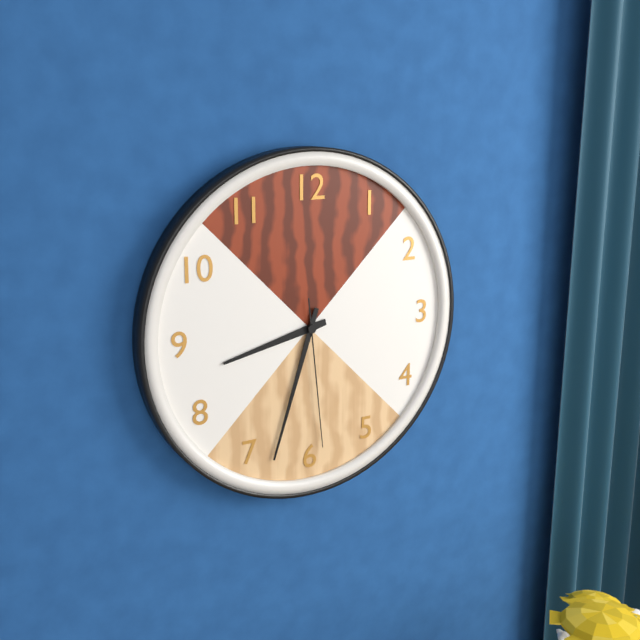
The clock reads 8.33.29
